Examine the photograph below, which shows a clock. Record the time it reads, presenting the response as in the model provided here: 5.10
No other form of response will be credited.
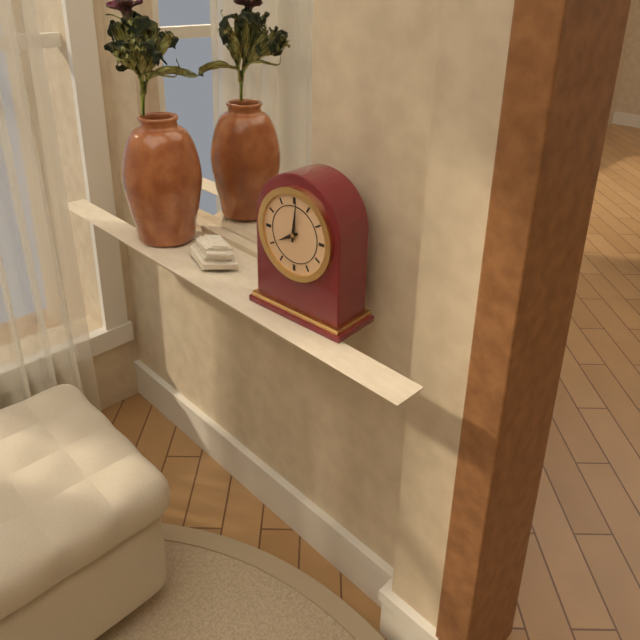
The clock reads 8.01
